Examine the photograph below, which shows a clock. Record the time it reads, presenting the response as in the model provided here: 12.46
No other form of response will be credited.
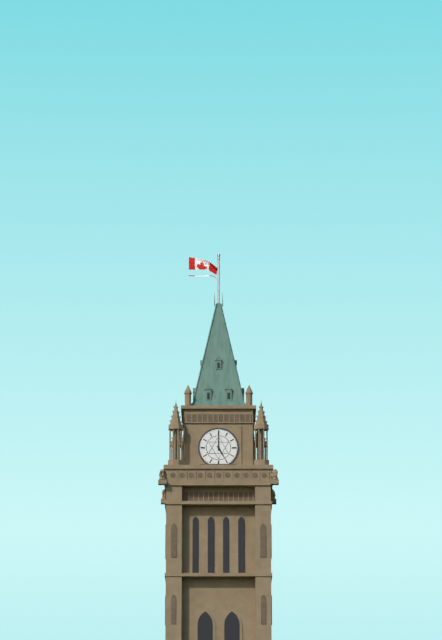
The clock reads 5.00
